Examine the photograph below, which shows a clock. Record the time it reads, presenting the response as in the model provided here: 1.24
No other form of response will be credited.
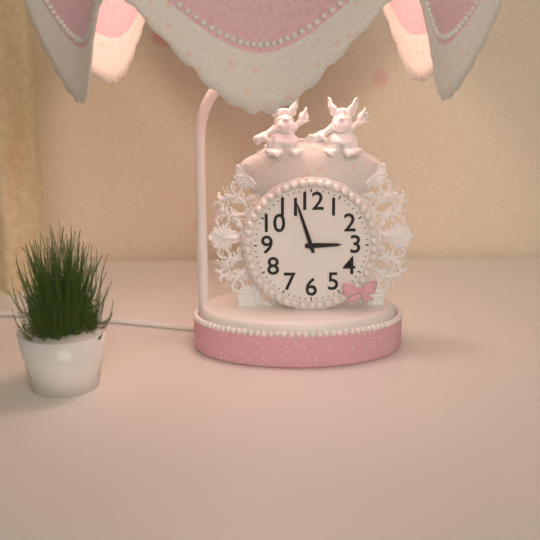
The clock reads 2.57
